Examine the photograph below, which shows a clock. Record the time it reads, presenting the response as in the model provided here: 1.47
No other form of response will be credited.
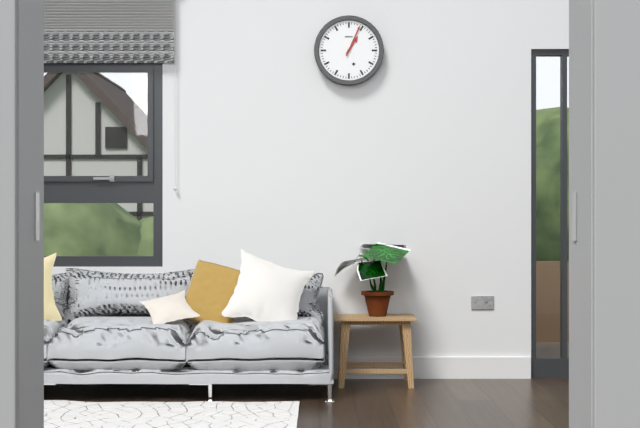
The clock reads 1.04
